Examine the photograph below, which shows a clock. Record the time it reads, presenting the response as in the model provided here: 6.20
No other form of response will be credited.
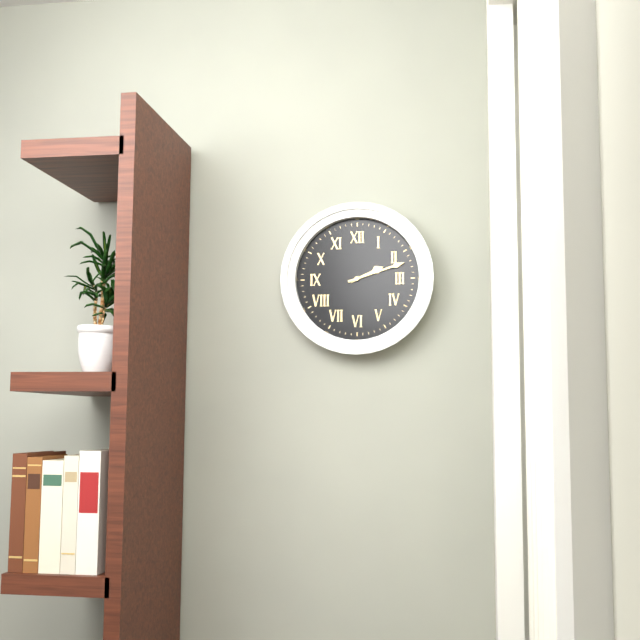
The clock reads 2.12
